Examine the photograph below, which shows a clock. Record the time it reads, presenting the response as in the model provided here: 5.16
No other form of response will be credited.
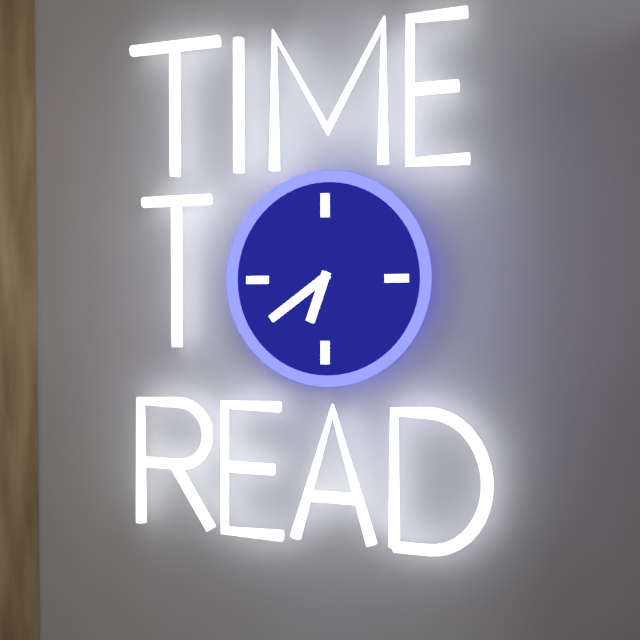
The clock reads 6.39
